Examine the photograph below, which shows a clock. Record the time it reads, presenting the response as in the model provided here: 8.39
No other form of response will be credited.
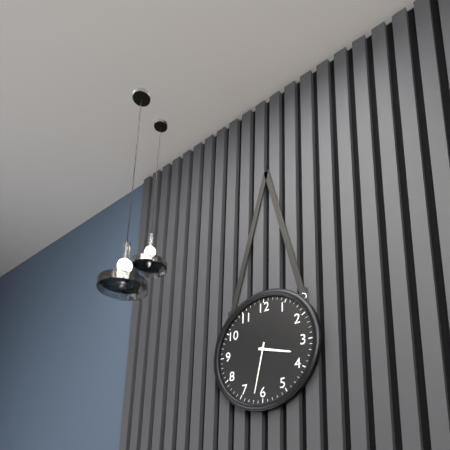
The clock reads 3.32
